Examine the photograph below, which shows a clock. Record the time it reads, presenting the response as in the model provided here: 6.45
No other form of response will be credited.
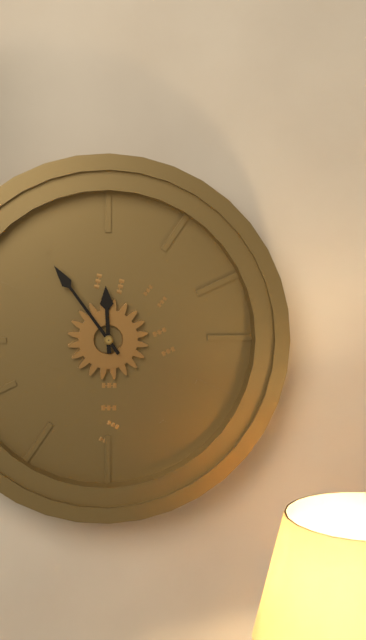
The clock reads 11.54
